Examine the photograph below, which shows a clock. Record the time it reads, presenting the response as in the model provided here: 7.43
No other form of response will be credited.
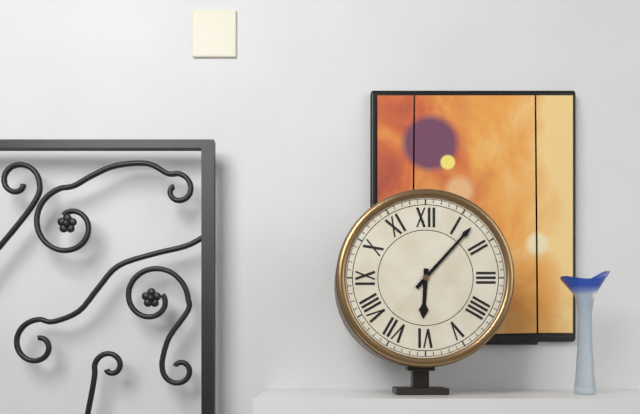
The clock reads 6.07
